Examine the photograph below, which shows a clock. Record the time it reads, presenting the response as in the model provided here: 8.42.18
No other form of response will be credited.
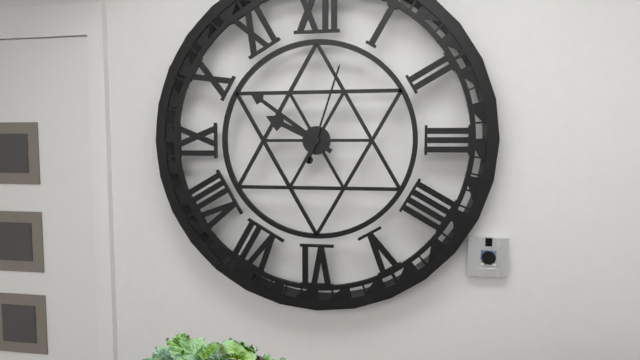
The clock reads 9.51.03
